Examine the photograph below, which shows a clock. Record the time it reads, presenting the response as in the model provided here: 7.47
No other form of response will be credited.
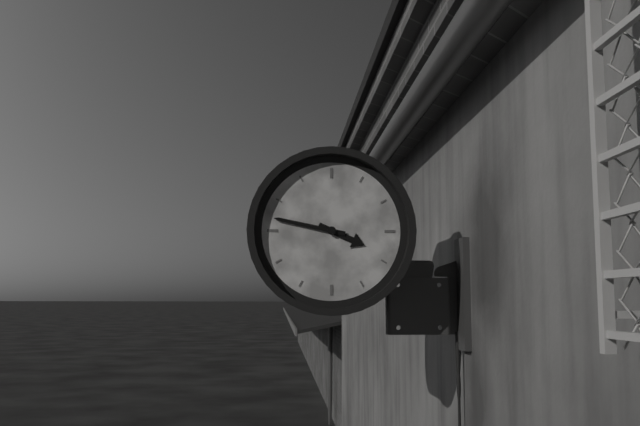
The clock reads 3.47
